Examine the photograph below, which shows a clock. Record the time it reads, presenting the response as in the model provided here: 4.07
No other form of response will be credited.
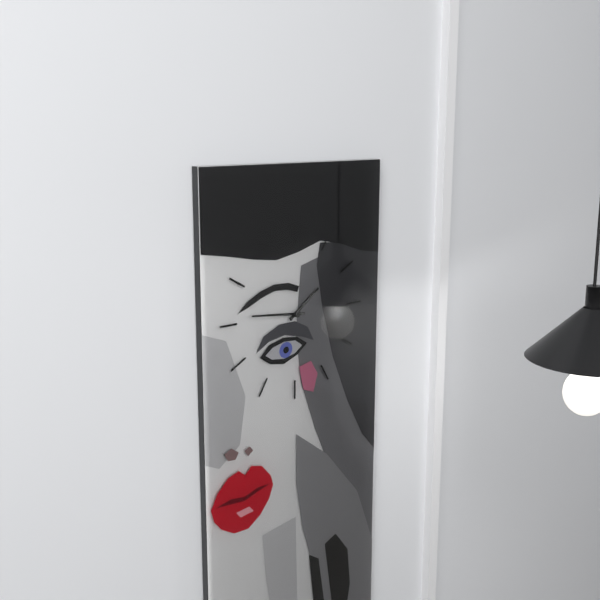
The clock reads 1.46
